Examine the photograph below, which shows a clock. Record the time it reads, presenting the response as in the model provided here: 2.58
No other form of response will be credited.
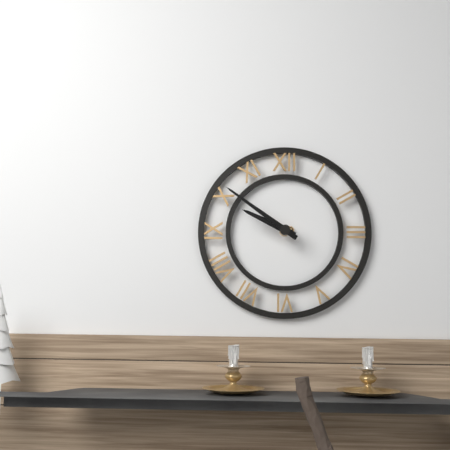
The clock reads 9.51
